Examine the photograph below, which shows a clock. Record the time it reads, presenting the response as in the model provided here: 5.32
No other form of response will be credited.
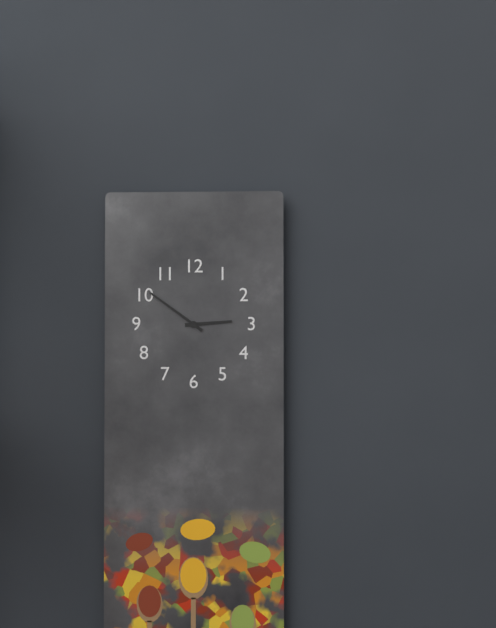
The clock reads 2.51
